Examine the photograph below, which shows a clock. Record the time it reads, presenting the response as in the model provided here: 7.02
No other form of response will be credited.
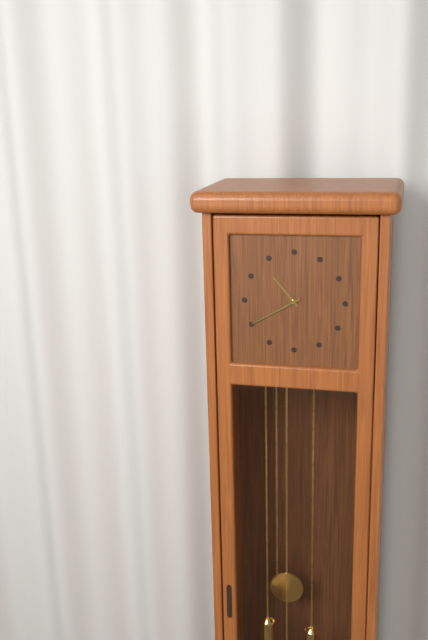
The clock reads 10.40
